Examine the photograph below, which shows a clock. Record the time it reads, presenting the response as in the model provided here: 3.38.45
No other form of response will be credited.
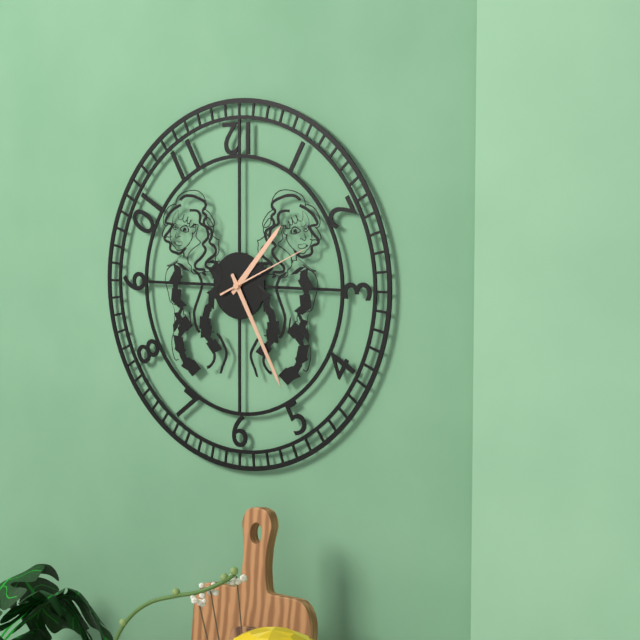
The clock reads 1.25.11
